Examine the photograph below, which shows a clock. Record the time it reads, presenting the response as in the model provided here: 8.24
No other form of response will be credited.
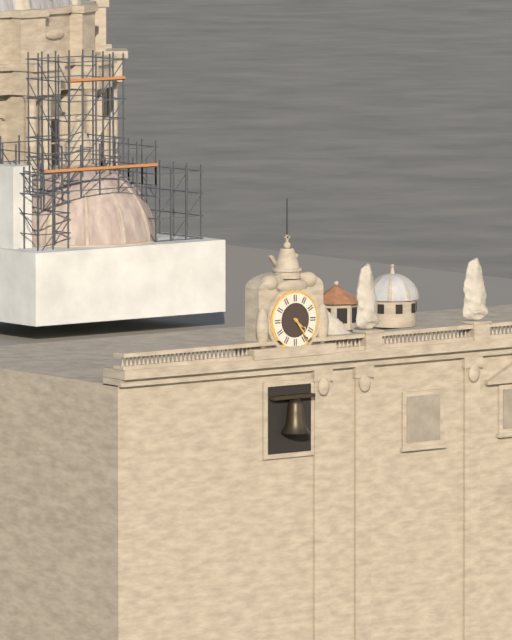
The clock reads 4.24
